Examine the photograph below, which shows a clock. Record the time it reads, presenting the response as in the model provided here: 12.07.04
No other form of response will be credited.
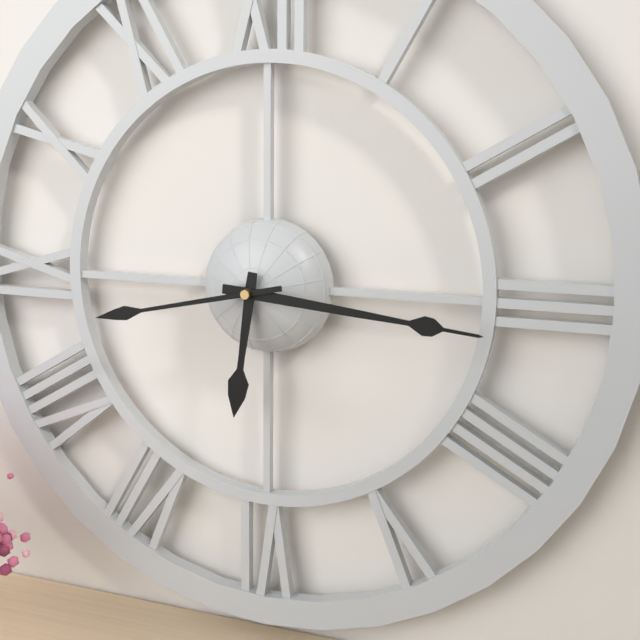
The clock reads 6.16.43
